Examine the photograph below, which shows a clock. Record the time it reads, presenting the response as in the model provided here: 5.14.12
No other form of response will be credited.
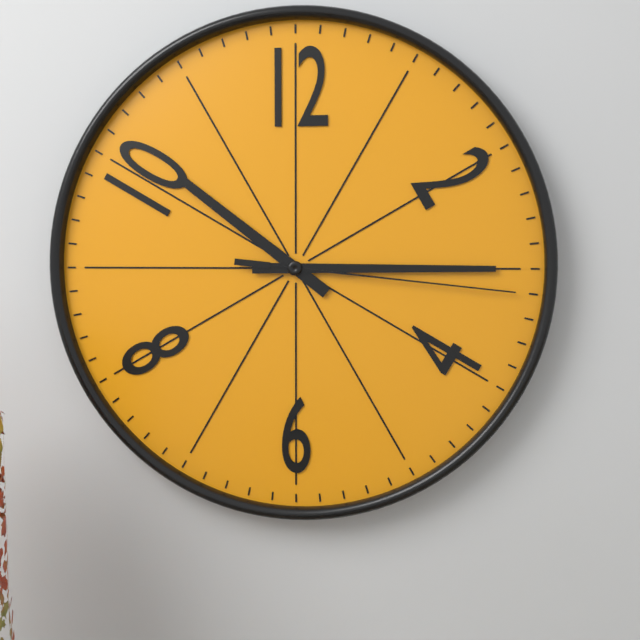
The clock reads 10.15.16
